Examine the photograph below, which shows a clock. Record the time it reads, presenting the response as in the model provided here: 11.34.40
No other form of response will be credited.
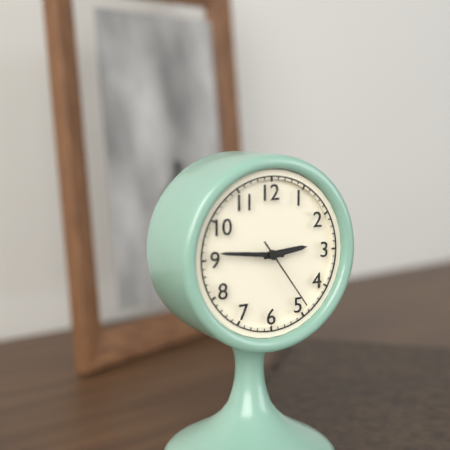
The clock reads 2.46.24
